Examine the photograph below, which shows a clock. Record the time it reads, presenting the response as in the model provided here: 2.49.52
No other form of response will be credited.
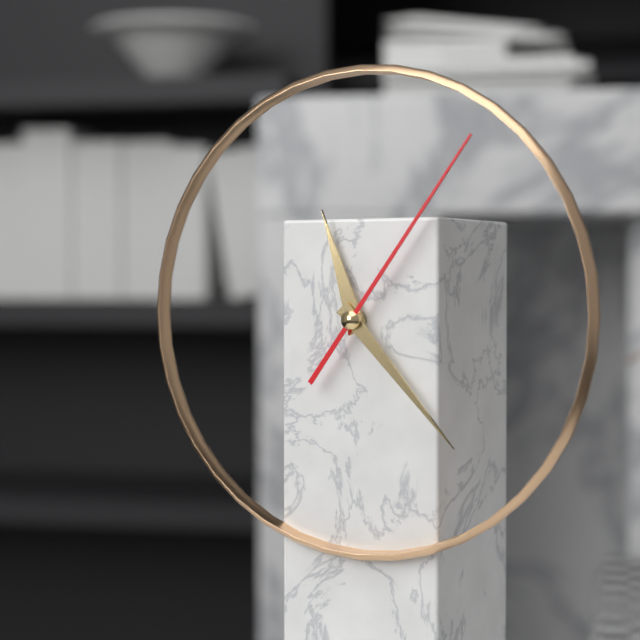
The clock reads 11.23.06
